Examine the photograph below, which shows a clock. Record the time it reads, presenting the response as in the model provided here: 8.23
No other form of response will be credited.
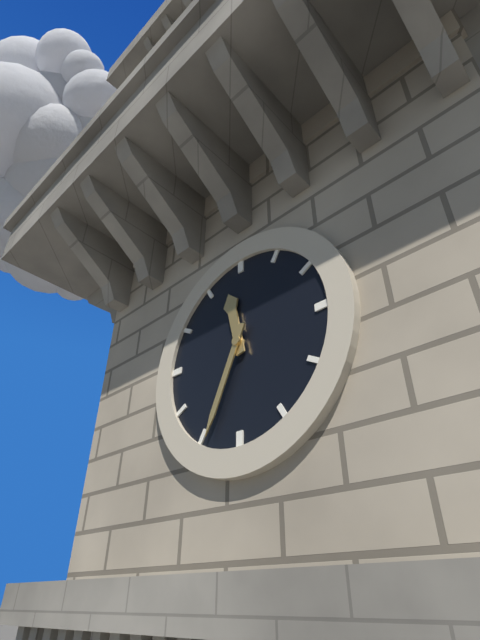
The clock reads 11.34
